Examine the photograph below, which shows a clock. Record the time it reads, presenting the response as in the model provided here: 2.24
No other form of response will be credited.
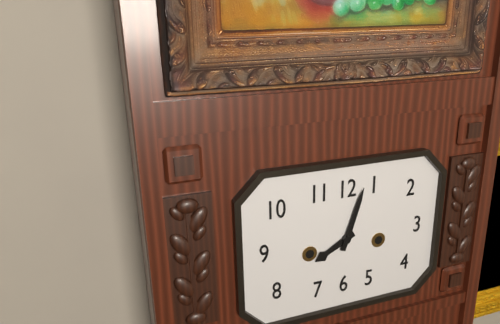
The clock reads 8.03
